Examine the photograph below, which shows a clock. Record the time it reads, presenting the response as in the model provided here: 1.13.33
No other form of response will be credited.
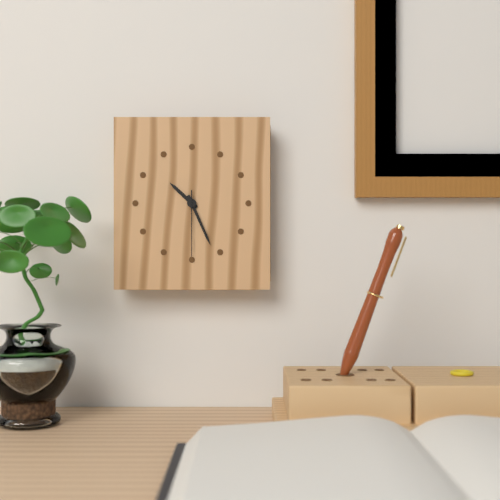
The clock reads 10.26.30
